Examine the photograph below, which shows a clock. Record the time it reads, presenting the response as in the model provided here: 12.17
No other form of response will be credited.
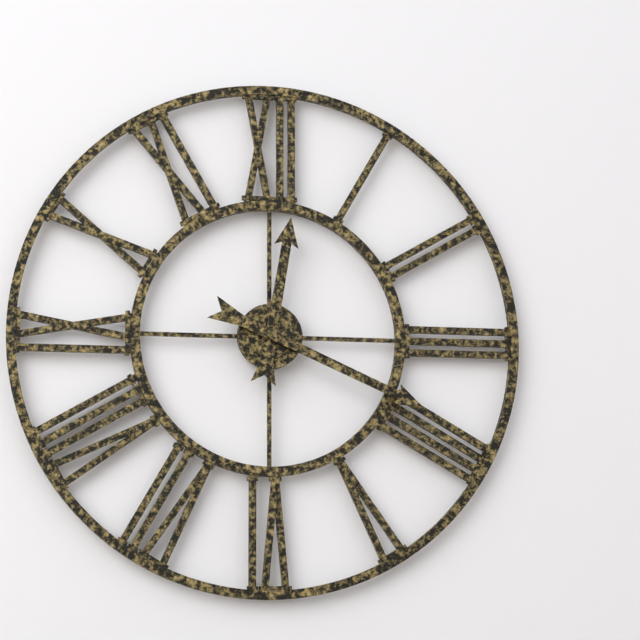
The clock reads 12.19
